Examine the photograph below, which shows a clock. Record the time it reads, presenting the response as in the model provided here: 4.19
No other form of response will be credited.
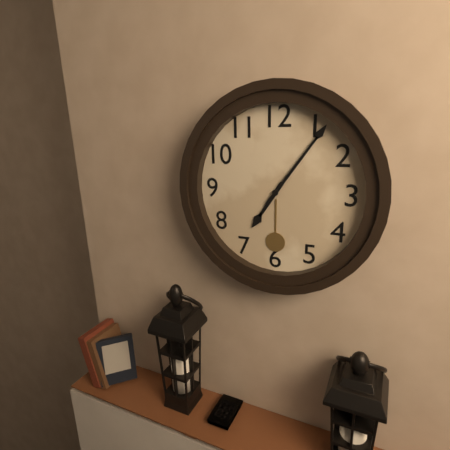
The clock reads 7.06
